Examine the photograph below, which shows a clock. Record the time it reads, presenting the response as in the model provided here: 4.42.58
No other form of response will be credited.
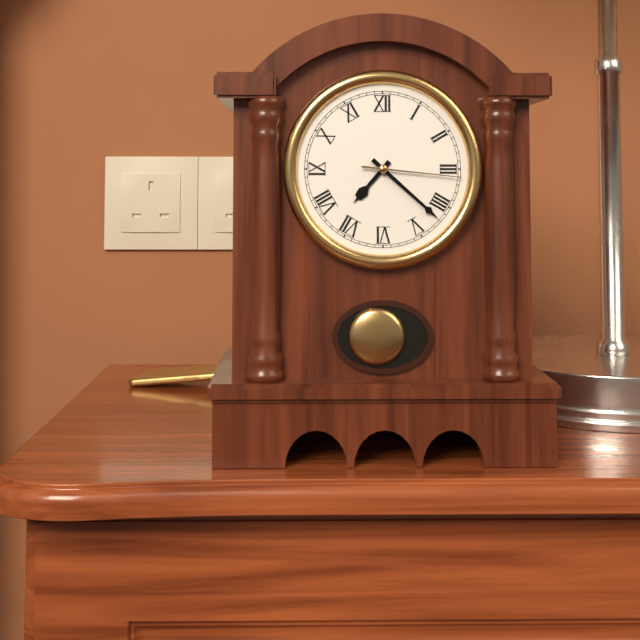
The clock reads 7.22.16
